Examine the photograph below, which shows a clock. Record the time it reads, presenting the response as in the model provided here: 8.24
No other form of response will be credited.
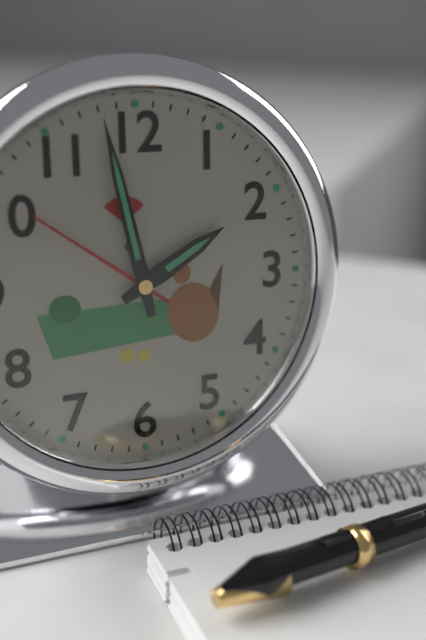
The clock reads 1.58
